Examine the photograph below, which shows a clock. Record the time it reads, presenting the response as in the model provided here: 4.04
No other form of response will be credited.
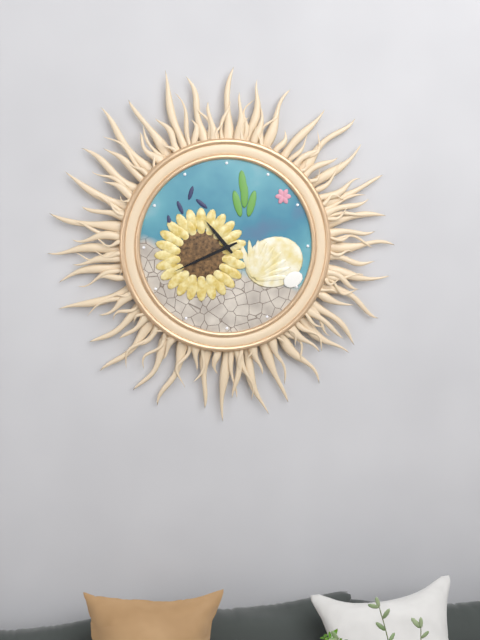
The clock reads 10.41
